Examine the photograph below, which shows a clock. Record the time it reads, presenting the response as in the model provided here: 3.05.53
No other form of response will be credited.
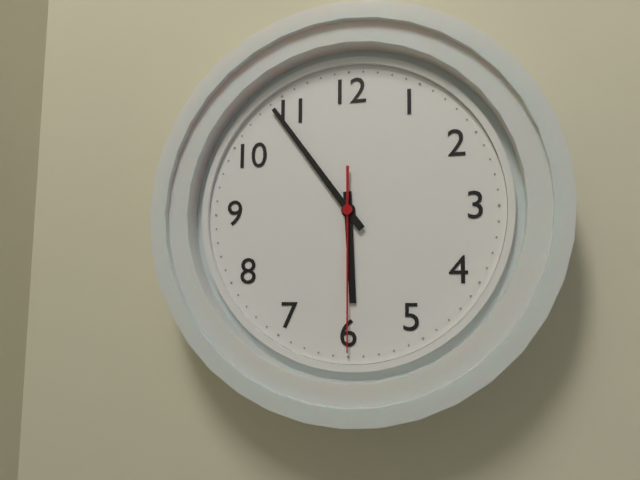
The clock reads 5.54.30
